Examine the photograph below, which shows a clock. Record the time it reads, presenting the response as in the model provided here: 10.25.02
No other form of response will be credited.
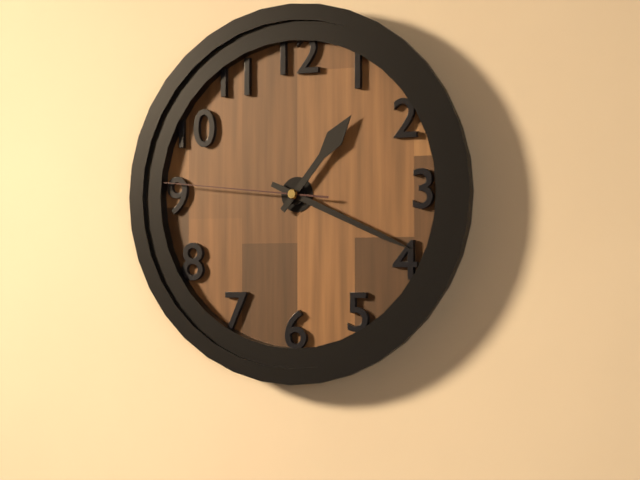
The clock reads 1.19.46
